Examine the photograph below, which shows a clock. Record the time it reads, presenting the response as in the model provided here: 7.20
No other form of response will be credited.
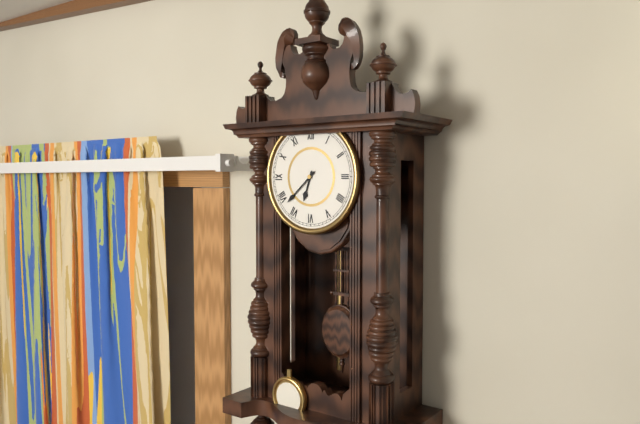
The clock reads 6.38
